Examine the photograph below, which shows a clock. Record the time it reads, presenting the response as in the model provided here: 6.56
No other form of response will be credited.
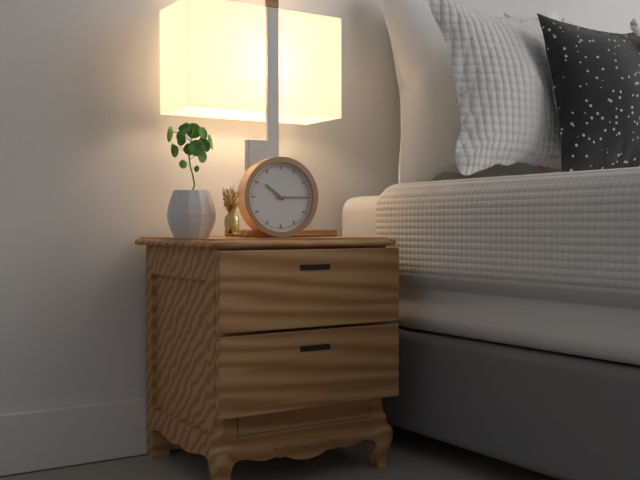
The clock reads 10.15
